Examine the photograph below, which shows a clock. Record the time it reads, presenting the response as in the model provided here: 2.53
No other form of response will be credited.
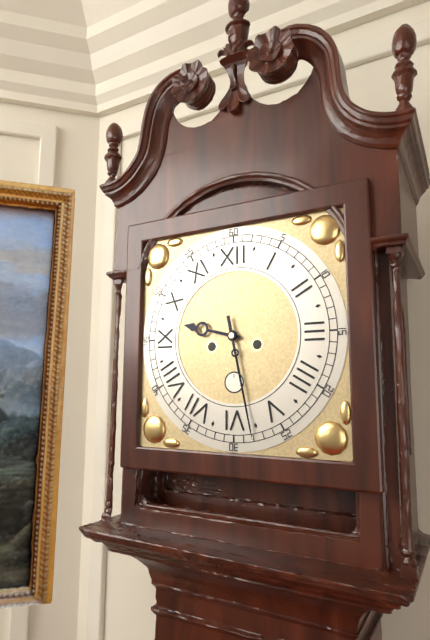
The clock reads 9.28
